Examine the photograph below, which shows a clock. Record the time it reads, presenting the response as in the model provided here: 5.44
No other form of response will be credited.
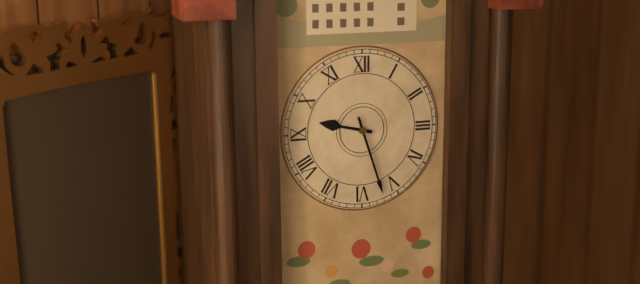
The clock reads 9.27
